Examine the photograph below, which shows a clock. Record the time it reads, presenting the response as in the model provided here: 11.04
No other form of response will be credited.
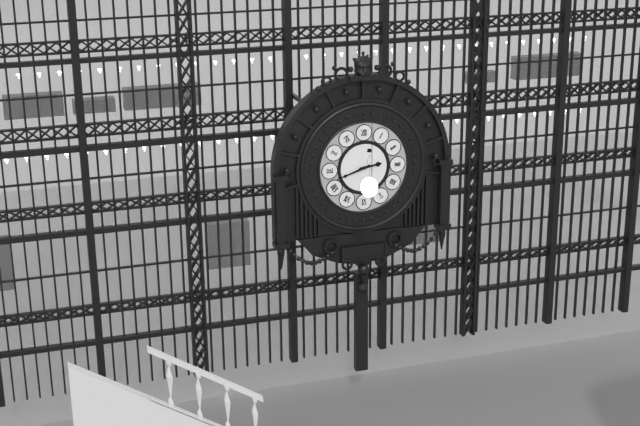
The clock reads 2.42
